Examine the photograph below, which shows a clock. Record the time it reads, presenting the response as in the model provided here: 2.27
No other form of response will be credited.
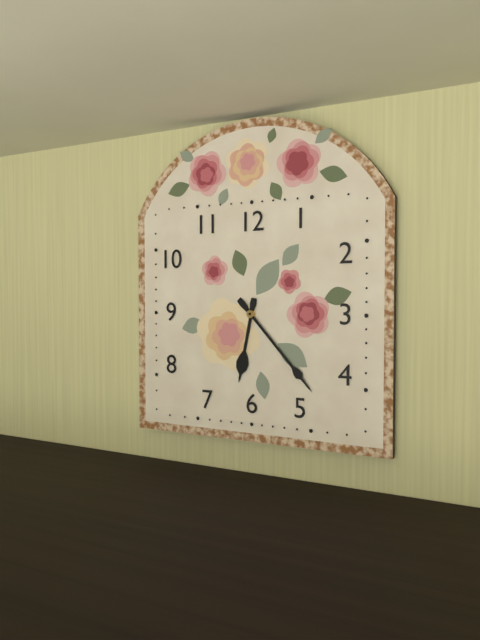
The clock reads 6.23
